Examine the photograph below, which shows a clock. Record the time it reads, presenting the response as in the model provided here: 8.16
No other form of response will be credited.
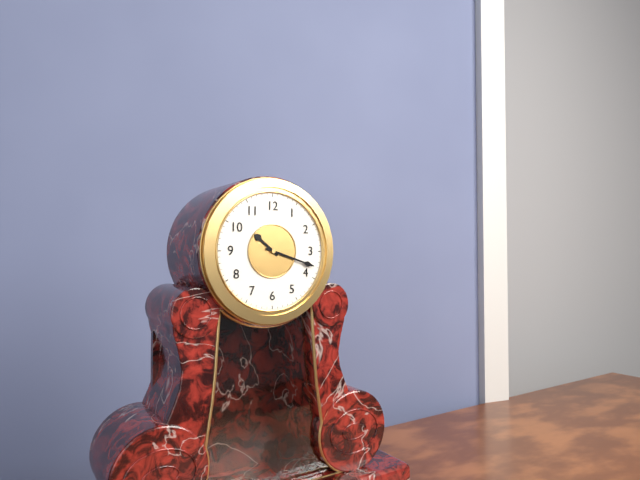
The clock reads 10.18
